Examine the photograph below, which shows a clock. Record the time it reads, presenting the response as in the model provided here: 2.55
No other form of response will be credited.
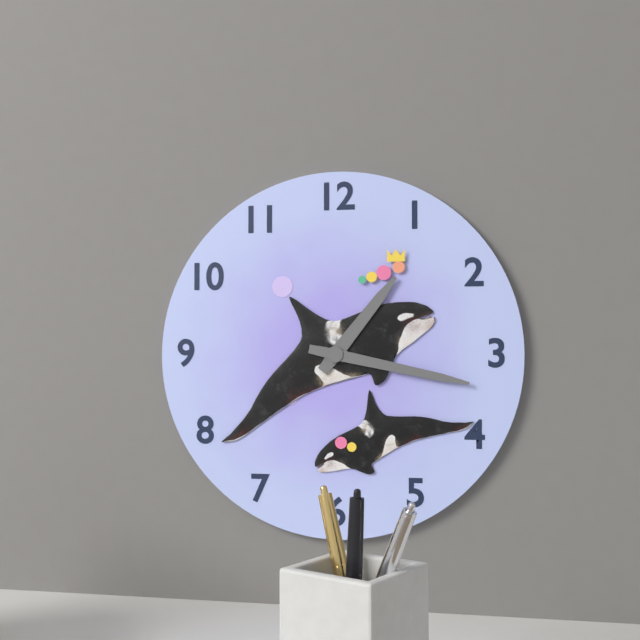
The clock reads 1.17
